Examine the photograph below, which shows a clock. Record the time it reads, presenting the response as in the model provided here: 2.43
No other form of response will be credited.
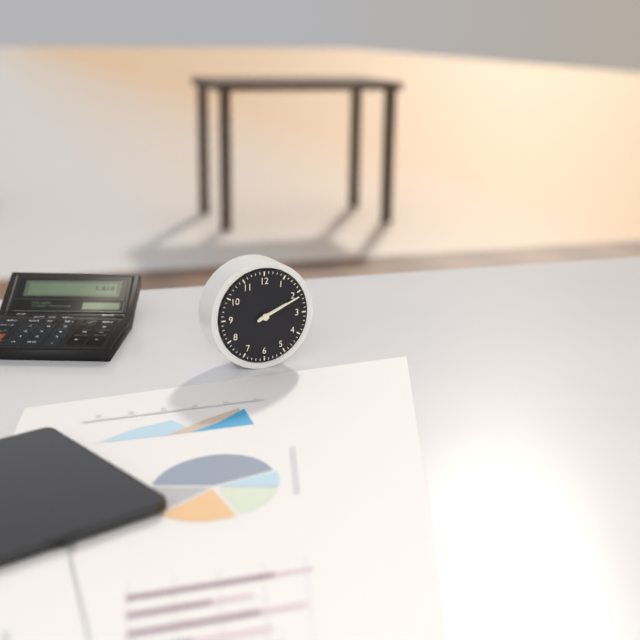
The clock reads 2.11
